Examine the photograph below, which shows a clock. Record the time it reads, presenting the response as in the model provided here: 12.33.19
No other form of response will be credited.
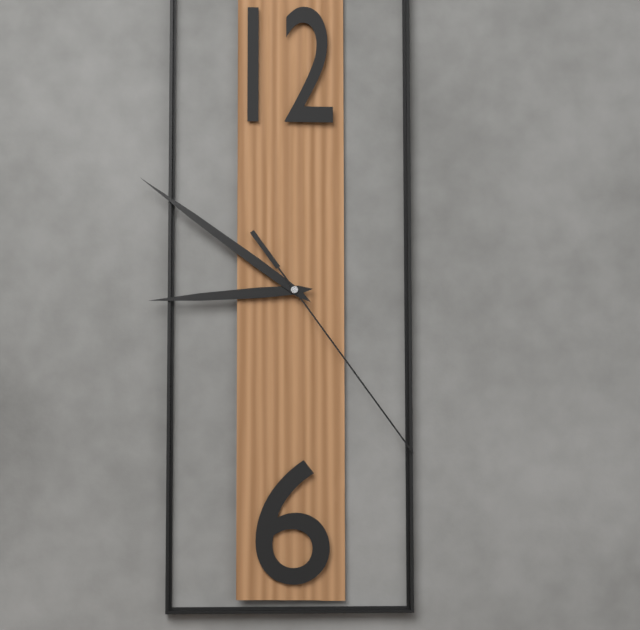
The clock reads 8.51.24
